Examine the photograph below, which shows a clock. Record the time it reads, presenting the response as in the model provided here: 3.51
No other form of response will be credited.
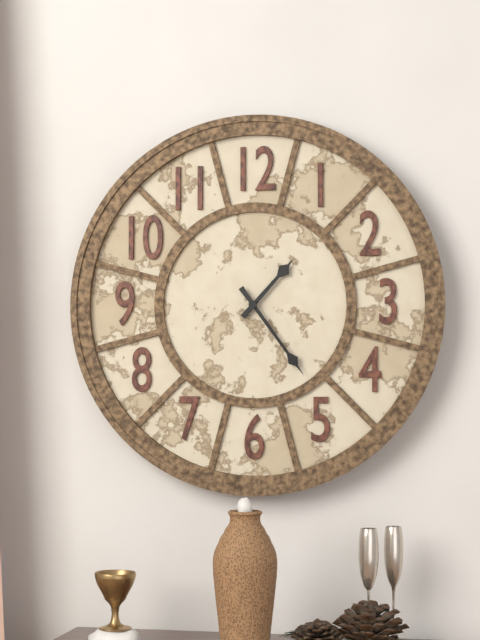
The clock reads 1.24
